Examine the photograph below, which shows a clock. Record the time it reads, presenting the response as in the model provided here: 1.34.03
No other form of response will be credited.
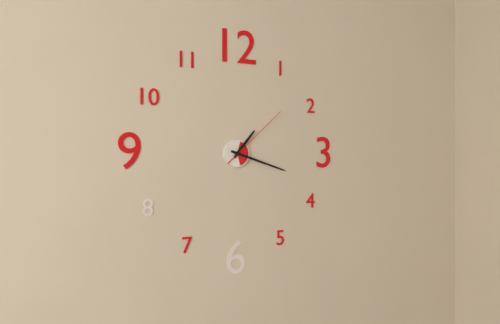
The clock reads 1.18.08
